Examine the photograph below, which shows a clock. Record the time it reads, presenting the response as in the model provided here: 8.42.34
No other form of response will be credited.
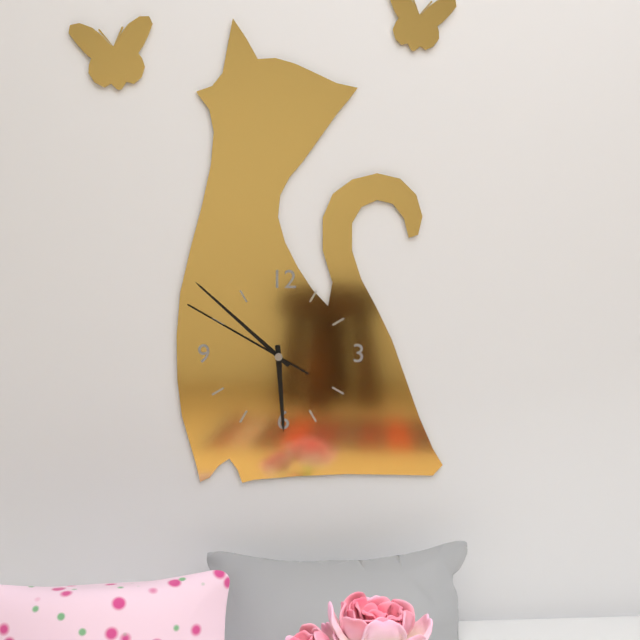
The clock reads 5.52.50
